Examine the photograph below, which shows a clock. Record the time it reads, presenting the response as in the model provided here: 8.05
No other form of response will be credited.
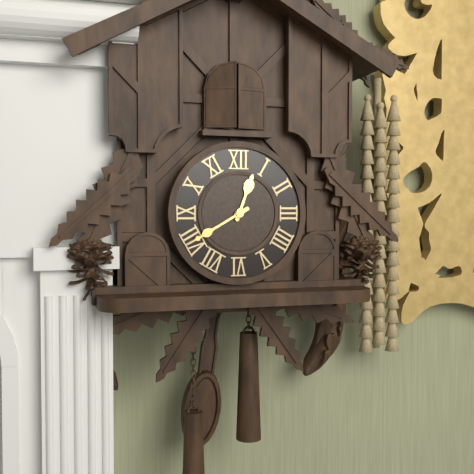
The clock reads 12.40
